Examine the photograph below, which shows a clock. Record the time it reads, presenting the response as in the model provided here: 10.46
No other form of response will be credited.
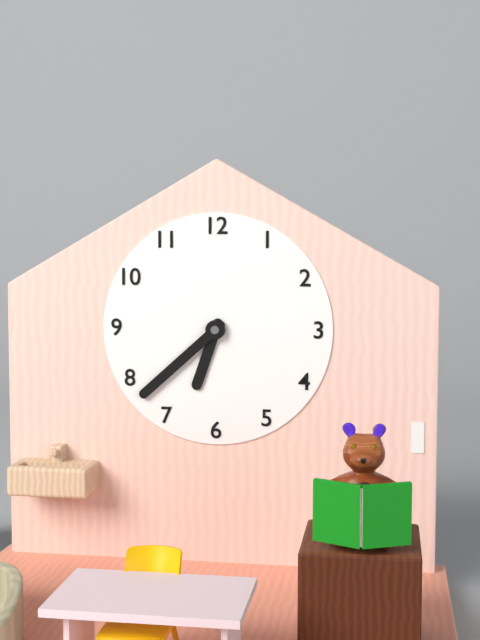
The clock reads 6.38
